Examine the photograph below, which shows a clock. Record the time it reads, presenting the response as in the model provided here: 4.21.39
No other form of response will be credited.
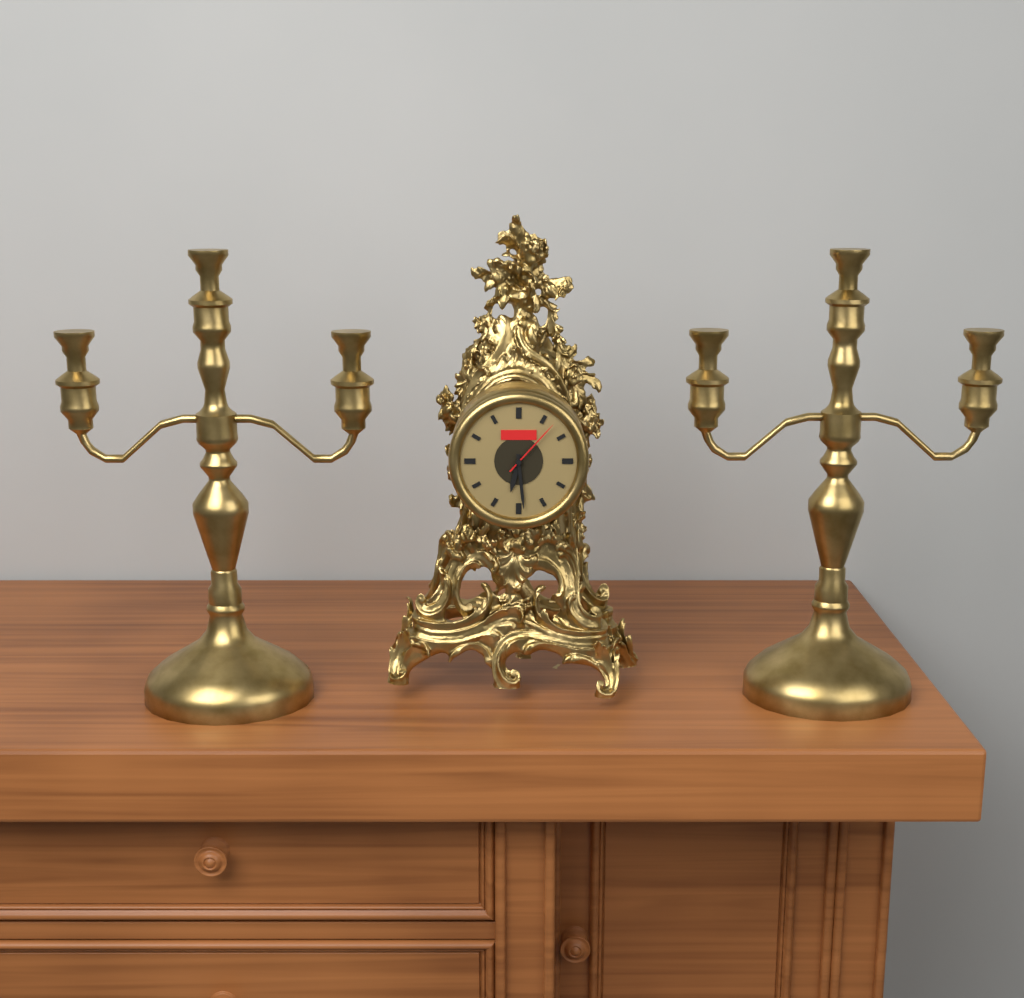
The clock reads 6.29.07
